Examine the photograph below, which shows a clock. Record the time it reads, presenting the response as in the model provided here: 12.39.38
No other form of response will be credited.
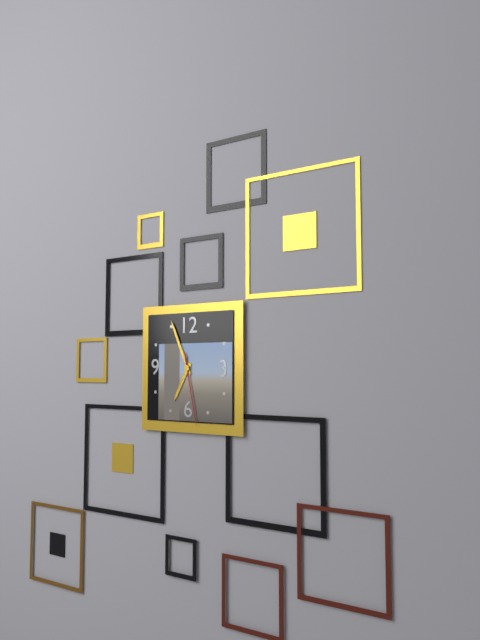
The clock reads 6.56.28
